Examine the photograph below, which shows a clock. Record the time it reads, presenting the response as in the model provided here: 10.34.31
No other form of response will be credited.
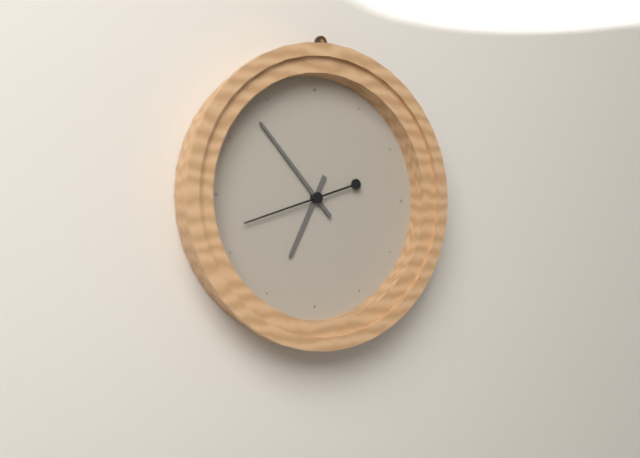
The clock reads 6.53.42
